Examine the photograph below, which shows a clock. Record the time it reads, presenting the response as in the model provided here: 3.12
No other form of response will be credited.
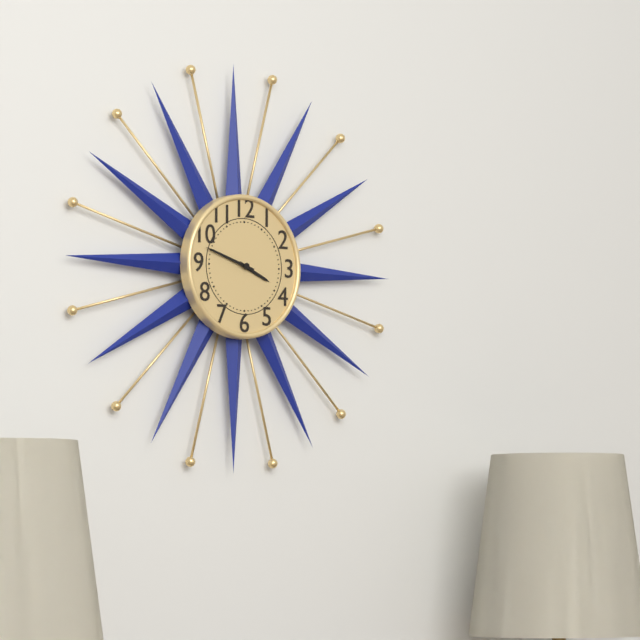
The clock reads 3.48
